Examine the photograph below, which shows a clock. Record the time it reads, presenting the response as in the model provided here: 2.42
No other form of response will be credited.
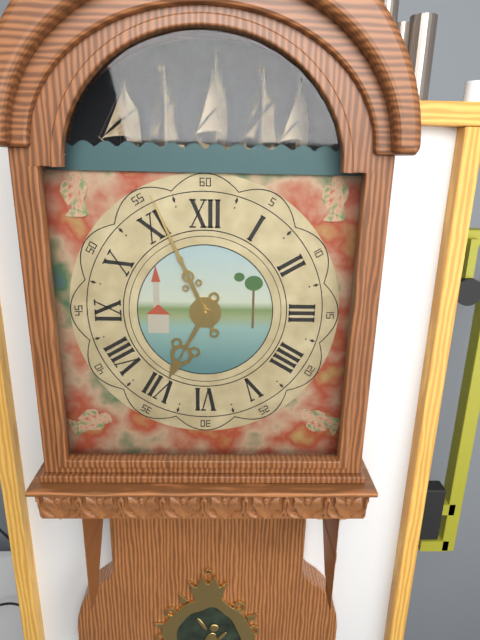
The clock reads 6.56
